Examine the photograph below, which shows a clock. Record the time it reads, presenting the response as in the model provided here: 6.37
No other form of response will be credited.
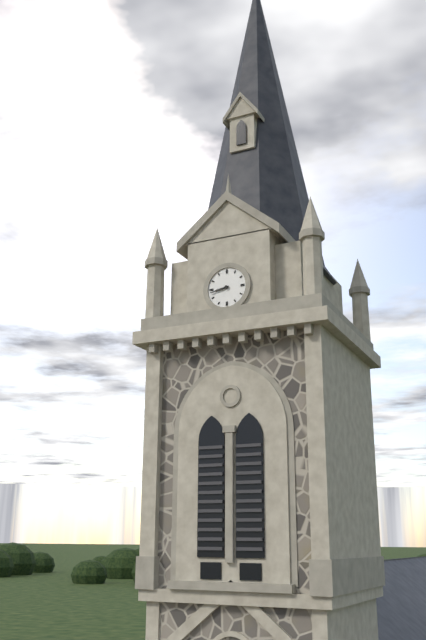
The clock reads 8.43
